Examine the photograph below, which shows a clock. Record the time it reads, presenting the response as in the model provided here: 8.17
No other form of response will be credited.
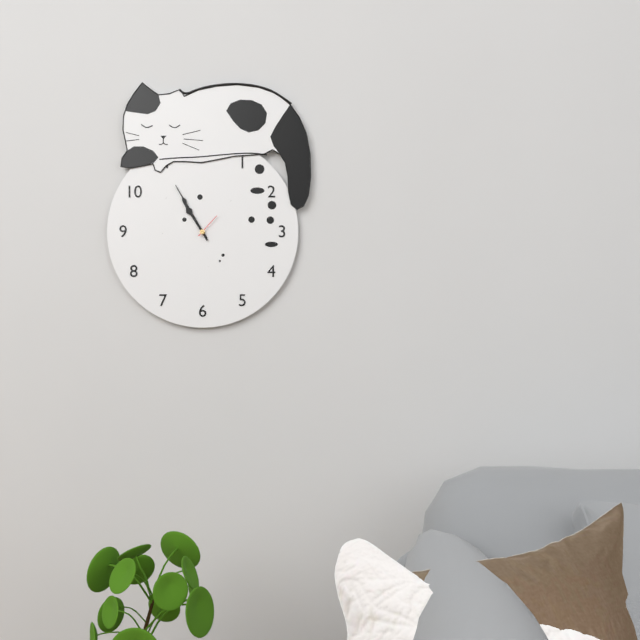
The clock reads 10.55
